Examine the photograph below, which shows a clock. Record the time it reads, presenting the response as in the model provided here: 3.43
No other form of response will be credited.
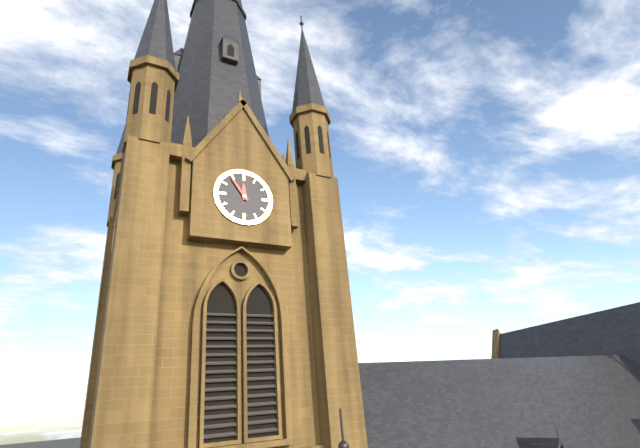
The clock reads 11.54
